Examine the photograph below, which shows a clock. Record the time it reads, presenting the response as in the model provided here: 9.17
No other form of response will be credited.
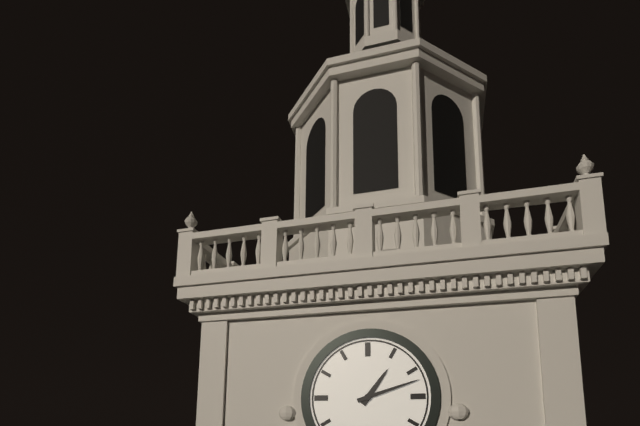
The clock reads 1.12
